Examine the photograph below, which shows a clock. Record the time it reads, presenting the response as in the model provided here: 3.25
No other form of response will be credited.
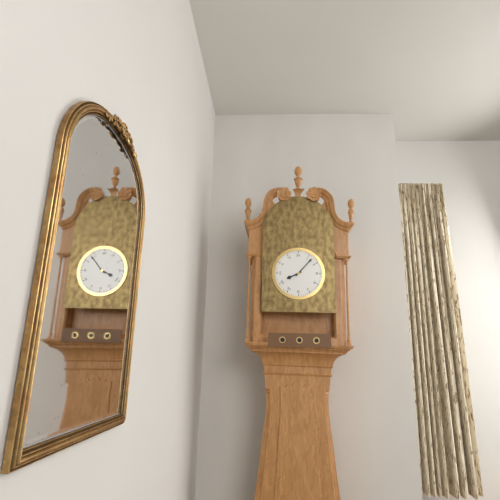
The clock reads 8.07
